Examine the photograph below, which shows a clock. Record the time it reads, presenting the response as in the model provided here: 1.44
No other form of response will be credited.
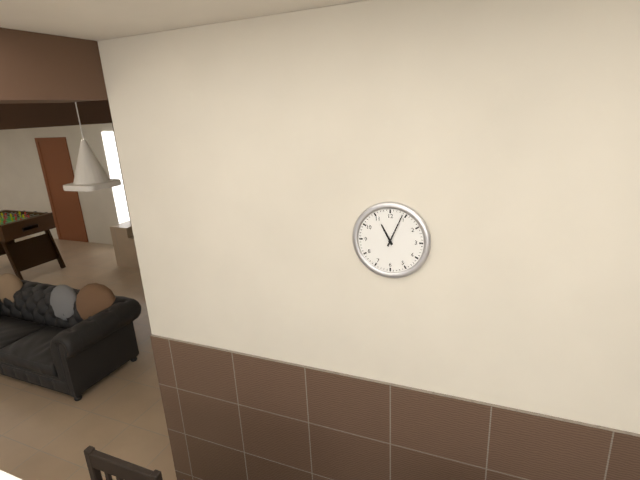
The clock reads 11.04
